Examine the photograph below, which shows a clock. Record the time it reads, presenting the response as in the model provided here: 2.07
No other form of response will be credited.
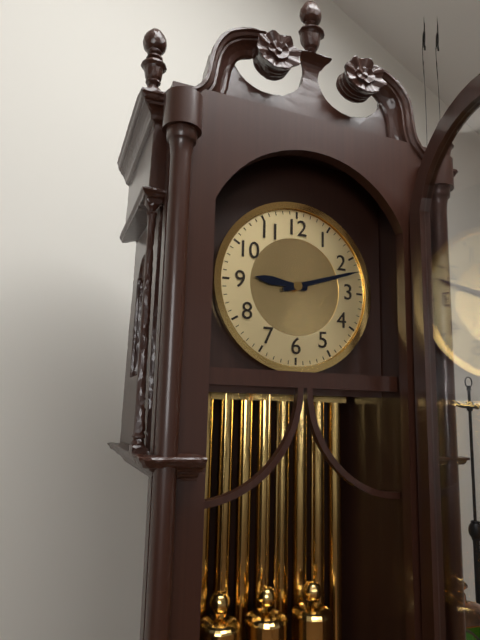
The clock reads 9.12
